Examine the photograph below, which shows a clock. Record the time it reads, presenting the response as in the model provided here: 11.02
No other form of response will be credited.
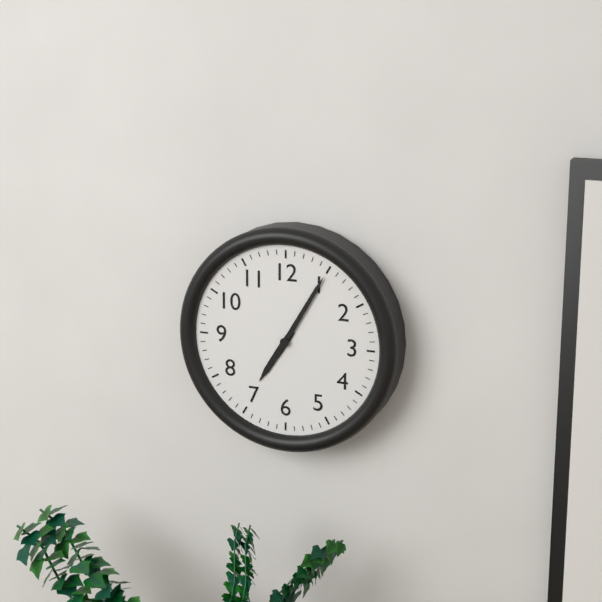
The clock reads 7.05
